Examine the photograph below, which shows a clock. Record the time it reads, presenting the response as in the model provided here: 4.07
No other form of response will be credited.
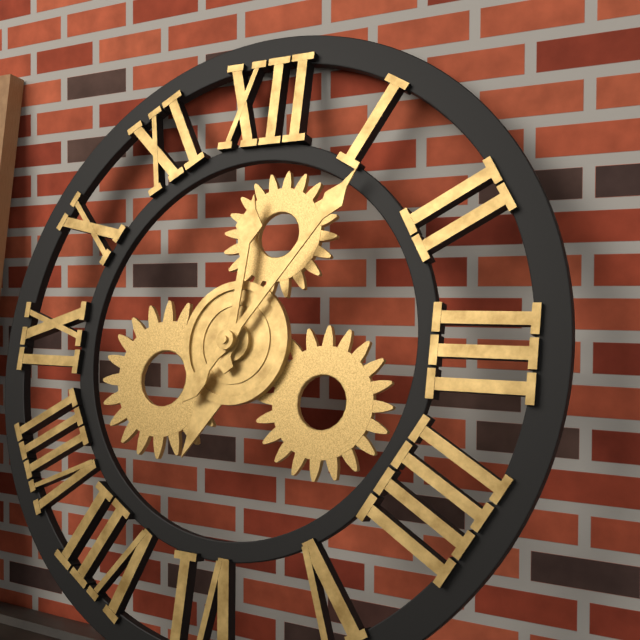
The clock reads 12.06
